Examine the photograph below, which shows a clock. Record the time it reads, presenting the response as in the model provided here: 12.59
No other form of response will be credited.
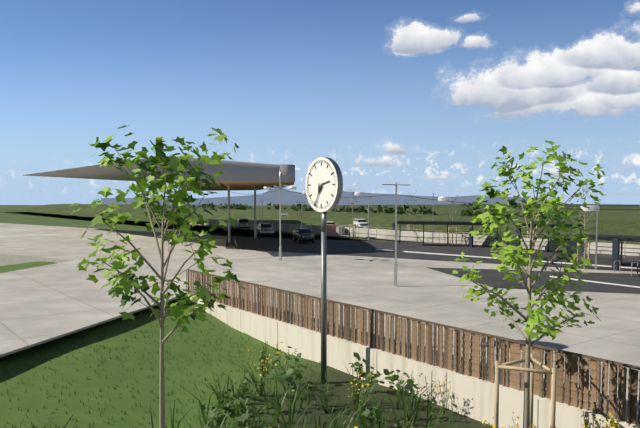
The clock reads 2.34
